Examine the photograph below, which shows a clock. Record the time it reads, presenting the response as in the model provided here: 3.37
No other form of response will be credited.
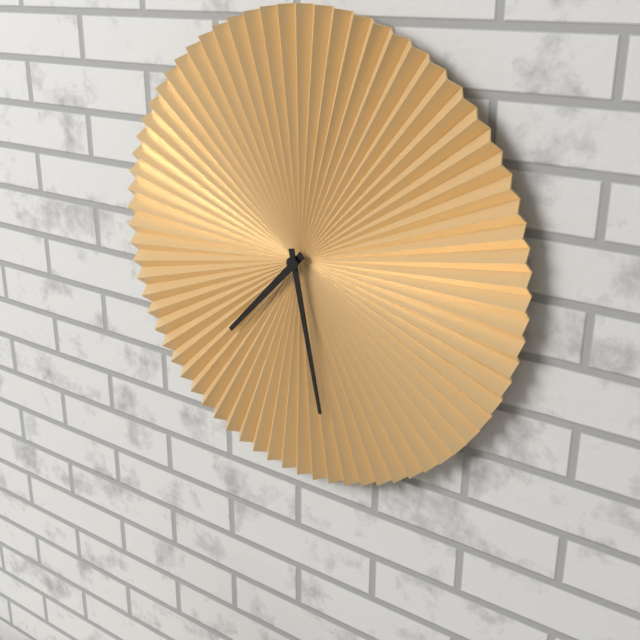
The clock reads 7.28
